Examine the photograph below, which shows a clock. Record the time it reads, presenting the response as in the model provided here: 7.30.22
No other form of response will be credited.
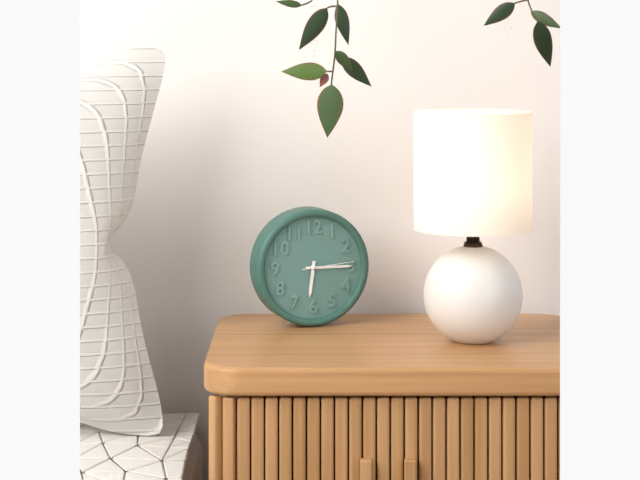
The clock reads 6.15.14
